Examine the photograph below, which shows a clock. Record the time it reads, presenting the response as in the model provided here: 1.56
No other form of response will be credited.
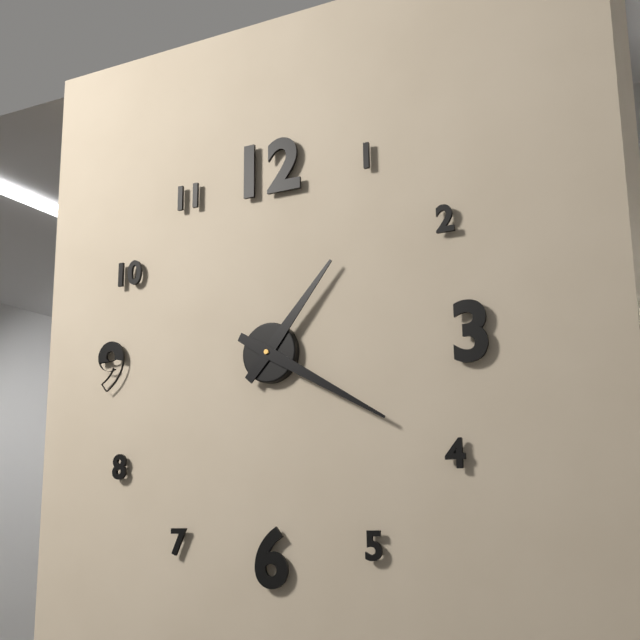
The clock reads 1.20
